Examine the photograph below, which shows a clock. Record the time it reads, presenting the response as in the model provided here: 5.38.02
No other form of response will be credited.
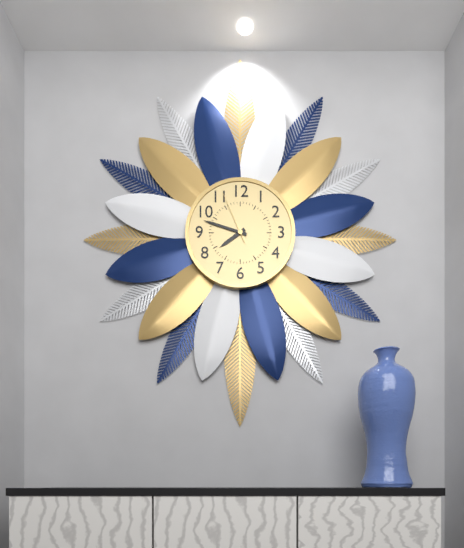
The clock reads 7.48.56
